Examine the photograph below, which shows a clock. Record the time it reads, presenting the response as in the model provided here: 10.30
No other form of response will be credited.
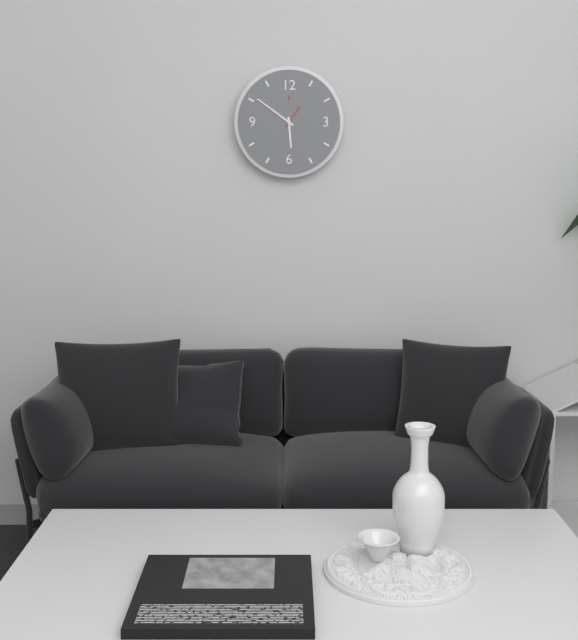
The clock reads 5.51
